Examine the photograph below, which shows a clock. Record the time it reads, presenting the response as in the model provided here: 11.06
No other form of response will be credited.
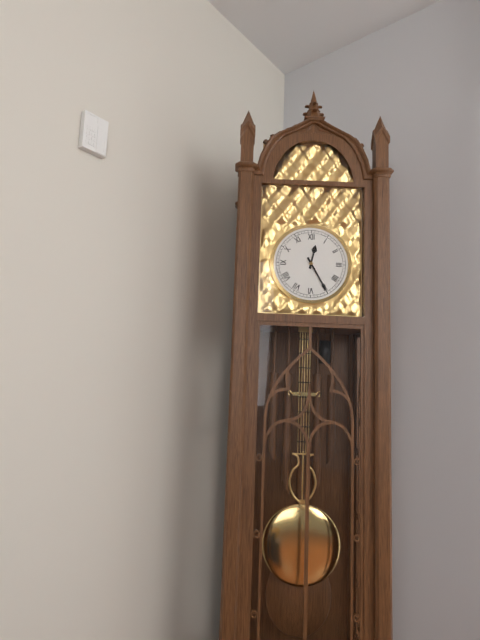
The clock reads 12.25
